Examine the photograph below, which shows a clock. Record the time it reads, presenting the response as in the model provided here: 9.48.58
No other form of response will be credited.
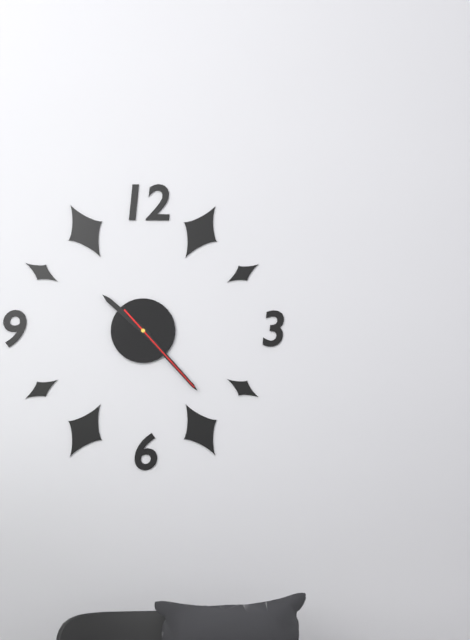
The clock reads 10.23.23
